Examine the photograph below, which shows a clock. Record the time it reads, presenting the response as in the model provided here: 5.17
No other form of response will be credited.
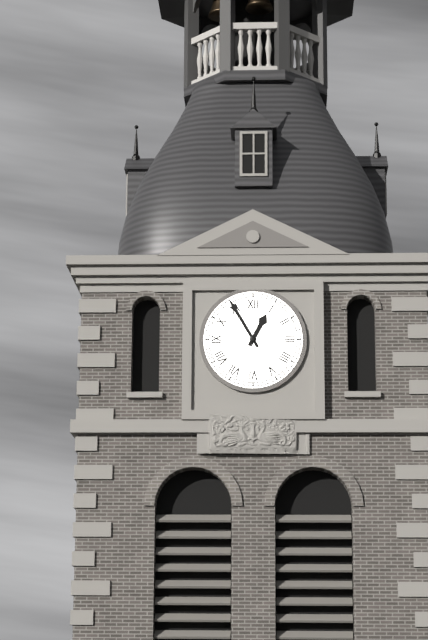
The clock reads 12.55
